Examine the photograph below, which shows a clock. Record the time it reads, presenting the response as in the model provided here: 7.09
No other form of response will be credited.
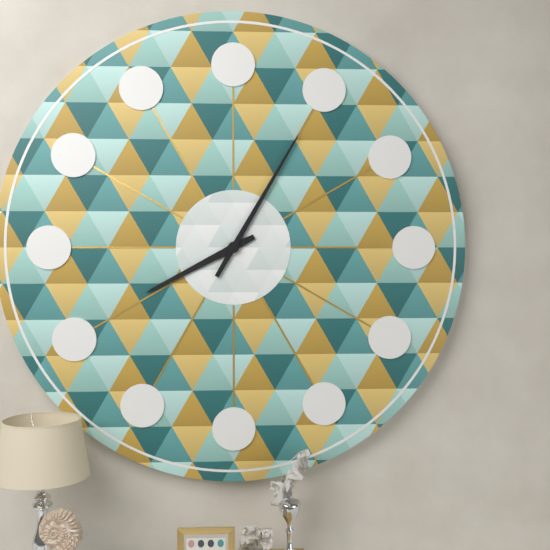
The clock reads 8.05
